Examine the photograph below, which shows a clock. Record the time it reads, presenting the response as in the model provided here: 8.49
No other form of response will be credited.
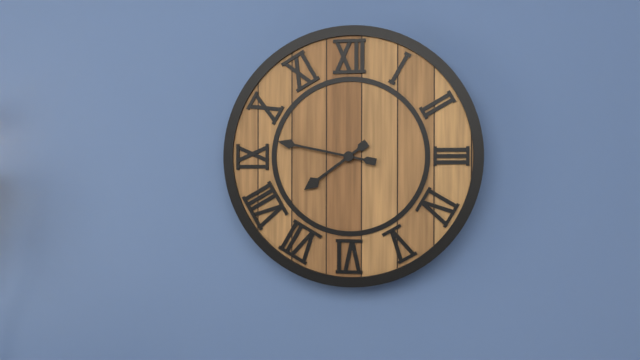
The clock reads 7.47
